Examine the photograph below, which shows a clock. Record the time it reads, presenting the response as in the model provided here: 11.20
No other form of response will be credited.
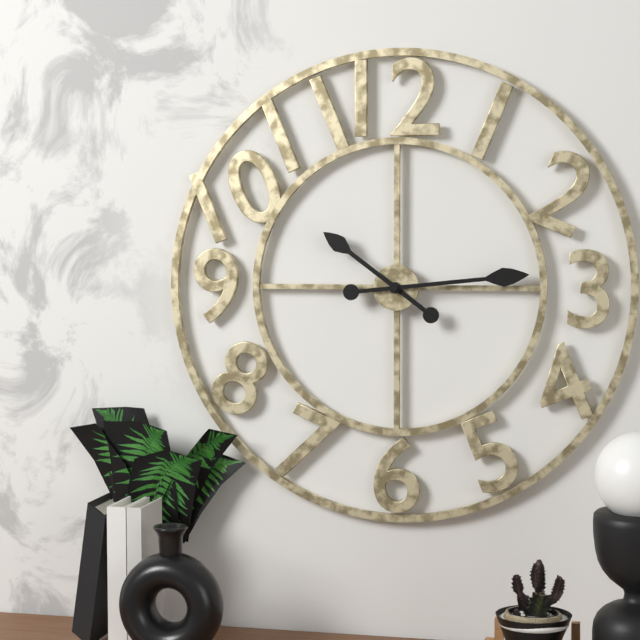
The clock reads 10.14
